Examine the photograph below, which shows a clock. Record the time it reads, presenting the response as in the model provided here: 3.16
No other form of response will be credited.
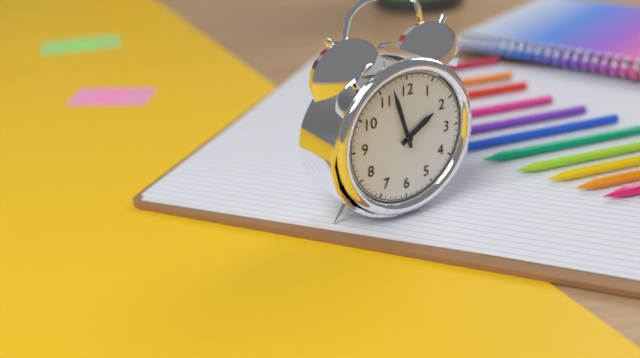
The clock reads 1.57
